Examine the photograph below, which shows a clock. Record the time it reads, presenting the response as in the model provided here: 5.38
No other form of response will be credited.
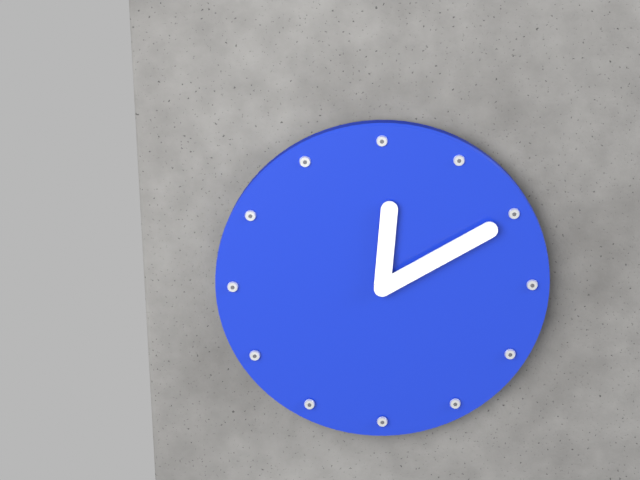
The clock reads 12.10
